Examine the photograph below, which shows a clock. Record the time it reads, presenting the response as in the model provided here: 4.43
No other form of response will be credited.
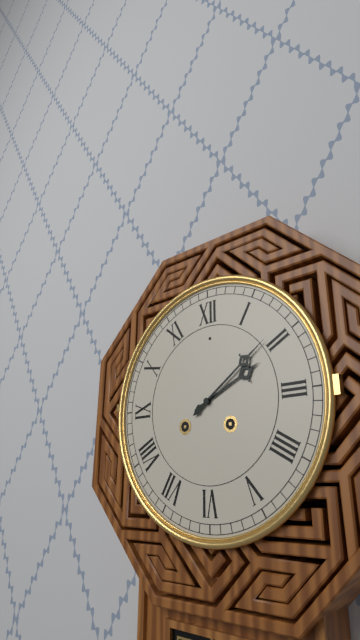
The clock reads 2.09
